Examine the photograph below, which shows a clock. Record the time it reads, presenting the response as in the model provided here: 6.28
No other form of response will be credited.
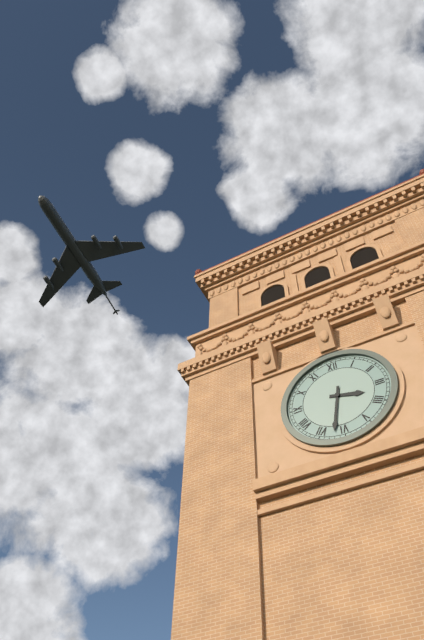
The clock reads 3.32
